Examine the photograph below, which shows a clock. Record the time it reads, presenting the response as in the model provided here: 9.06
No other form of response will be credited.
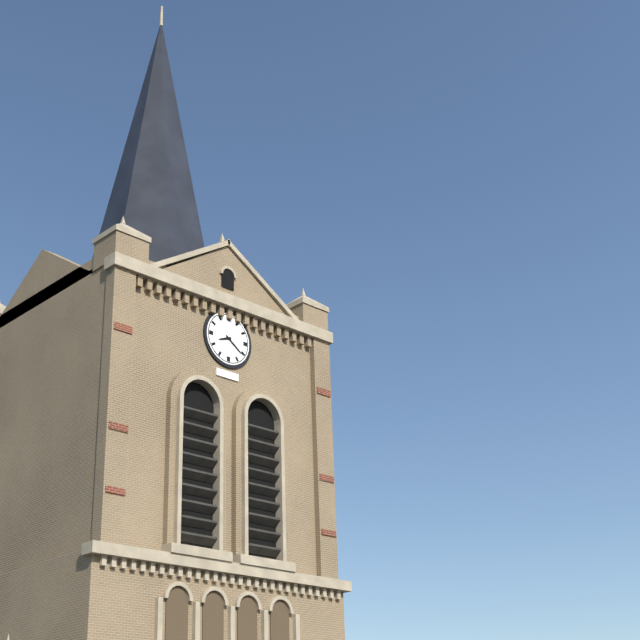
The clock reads 8.21
